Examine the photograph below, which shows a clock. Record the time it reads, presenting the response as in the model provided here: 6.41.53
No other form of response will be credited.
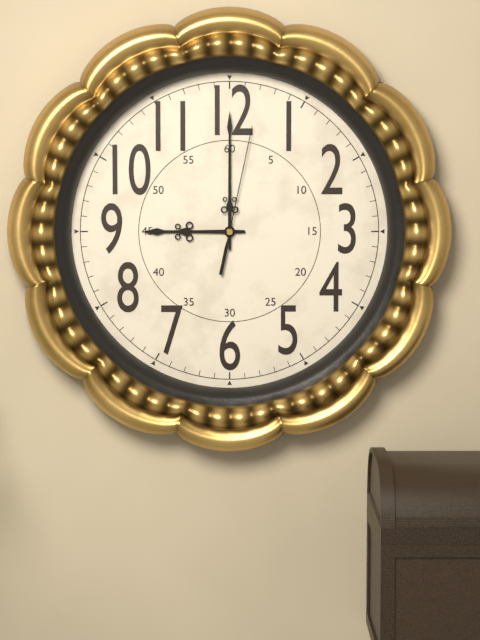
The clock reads 9.00.02
